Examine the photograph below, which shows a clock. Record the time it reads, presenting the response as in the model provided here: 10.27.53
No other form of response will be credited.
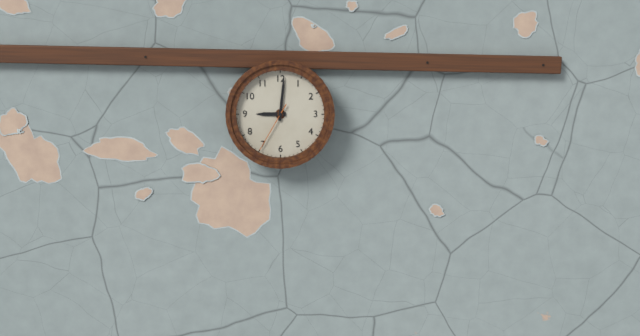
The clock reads 9.01.35
